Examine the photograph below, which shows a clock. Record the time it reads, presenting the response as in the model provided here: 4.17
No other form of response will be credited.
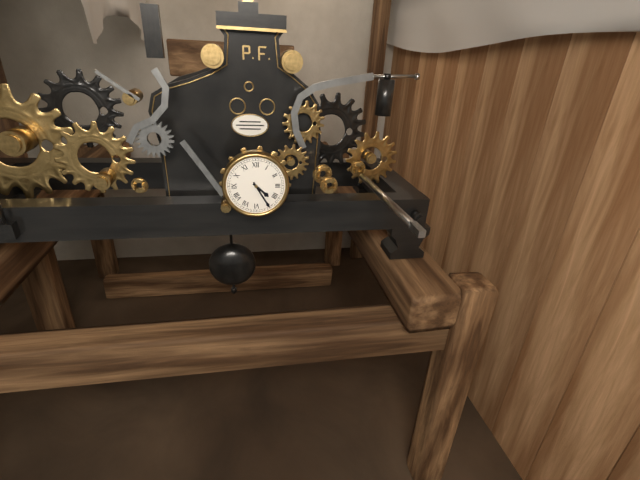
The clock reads 4.25
